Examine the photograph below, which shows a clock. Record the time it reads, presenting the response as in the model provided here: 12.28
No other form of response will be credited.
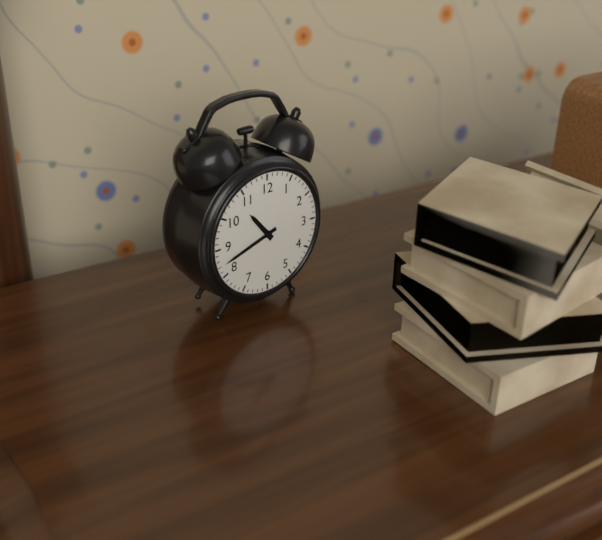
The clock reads 10.42
